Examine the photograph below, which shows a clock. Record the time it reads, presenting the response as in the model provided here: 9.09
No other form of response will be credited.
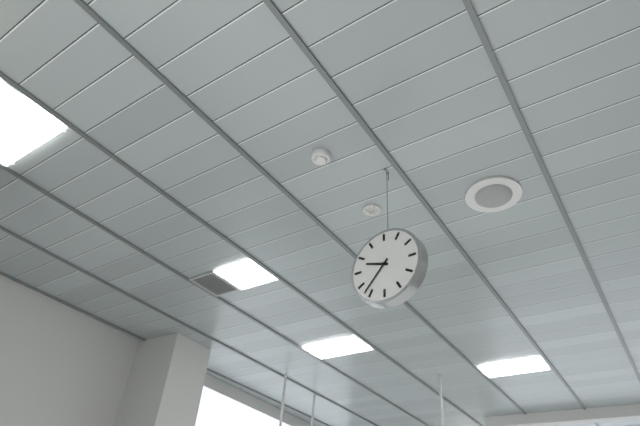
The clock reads 9.37
